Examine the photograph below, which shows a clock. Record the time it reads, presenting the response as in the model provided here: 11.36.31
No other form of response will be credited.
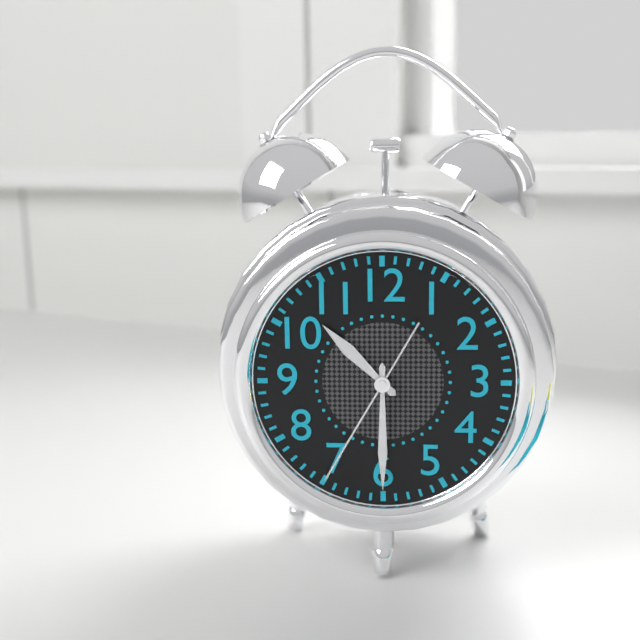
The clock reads 10.30.35
